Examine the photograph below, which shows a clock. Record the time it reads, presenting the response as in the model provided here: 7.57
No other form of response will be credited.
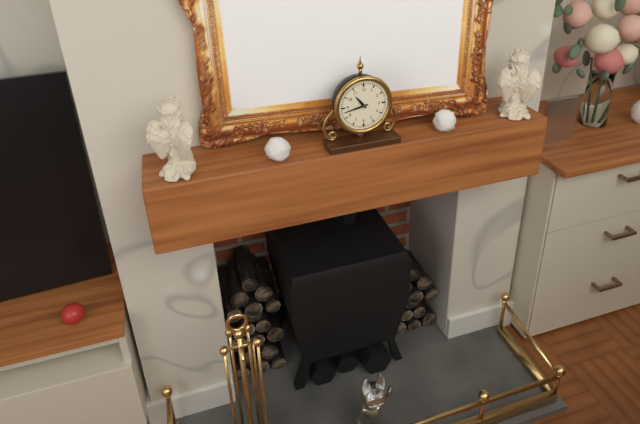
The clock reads 10.43
